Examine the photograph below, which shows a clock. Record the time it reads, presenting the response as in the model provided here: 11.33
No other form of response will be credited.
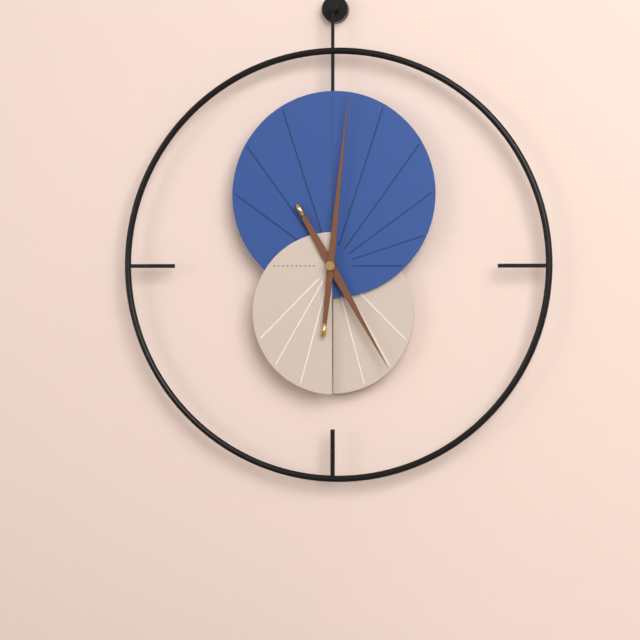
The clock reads 5.01
